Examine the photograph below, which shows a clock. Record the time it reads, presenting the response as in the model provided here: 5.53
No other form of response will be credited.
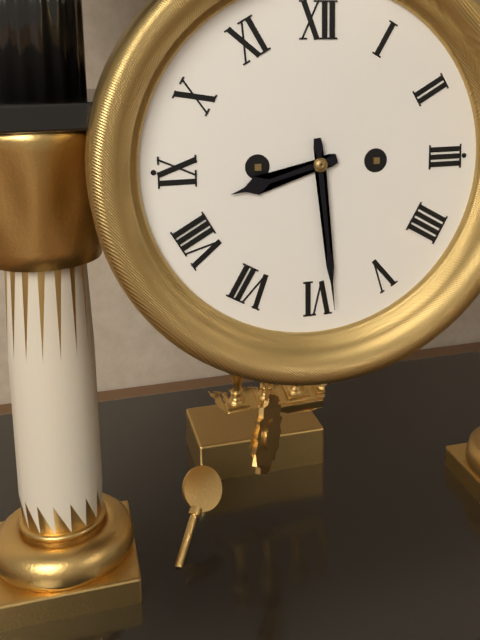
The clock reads 8.29
